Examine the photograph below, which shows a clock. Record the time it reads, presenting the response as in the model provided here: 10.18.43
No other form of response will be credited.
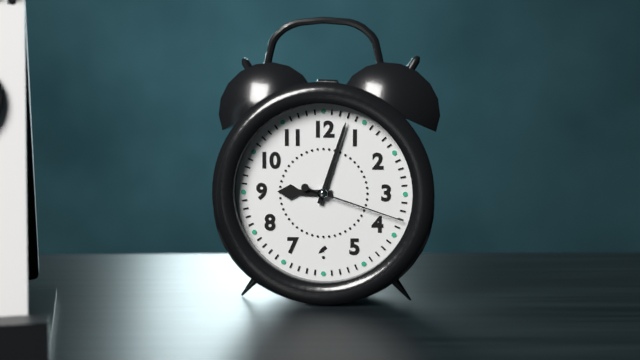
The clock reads 9.03.18
